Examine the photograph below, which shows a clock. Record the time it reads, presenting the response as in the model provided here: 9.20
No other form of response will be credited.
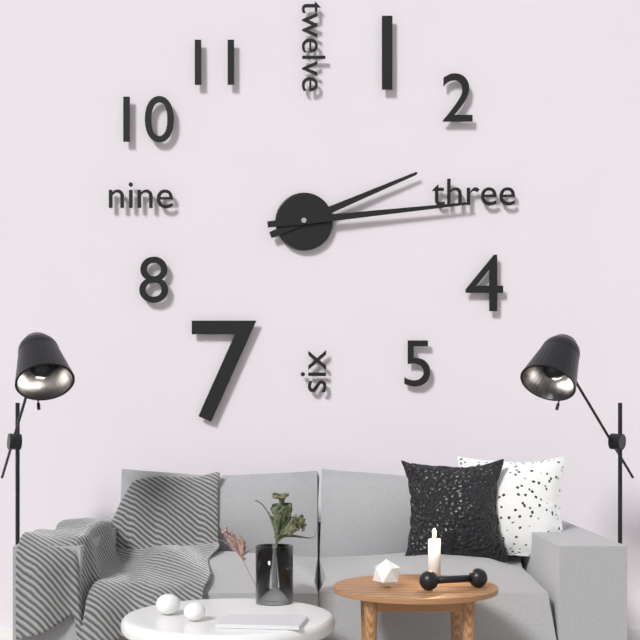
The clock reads 2.14
